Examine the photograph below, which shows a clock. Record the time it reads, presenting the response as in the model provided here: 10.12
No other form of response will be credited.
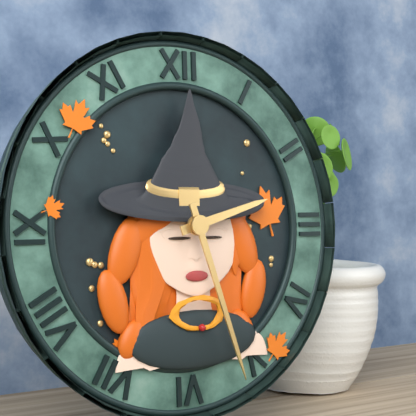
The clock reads 2.27
